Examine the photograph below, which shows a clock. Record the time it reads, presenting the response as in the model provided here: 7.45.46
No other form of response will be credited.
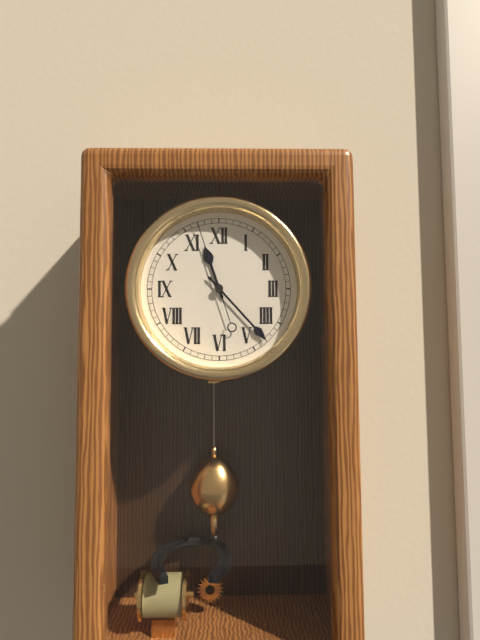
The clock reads 11.23.57
